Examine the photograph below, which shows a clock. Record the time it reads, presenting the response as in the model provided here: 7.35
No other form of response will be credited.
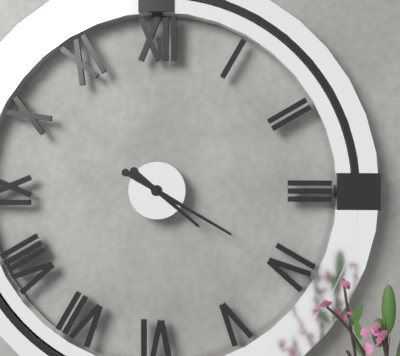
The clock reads 4.20
